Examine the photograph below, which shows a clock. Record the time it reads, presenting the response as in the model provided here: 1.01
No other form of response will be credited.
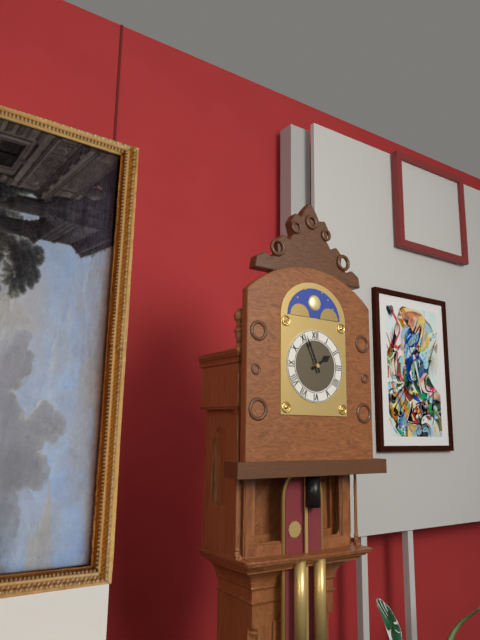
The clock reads 1.56
